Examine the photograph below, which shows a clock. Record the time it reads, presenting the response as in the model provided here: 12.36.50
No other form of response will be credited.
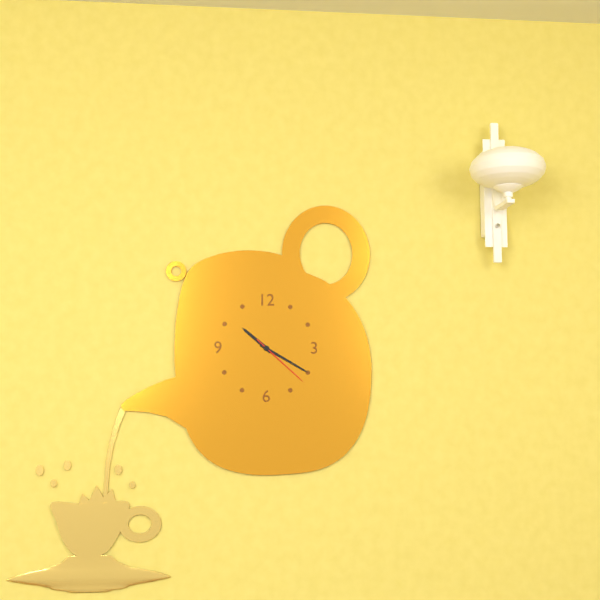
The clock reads 10.20.22
